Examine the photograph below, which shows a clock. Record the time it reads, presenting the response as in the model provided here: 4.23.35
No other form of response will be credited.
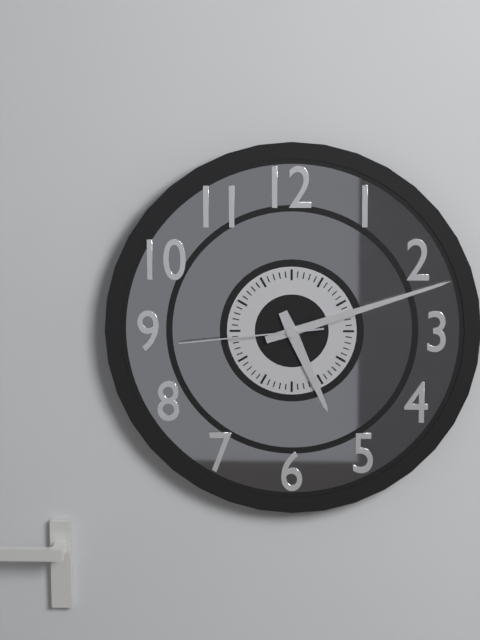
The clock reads 5.12.44
